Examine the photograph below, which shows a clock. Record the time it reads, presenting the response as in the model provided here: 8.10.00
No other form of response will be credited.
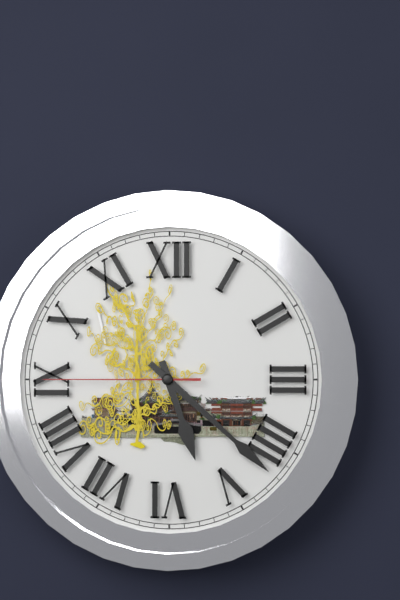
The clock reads 5.22.45
